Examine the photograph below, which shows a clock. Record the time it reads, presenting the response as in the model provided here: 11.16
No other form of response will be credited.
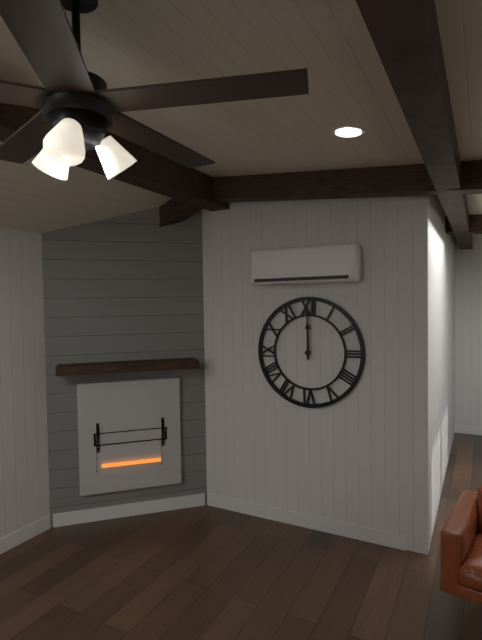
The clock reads 12.00
